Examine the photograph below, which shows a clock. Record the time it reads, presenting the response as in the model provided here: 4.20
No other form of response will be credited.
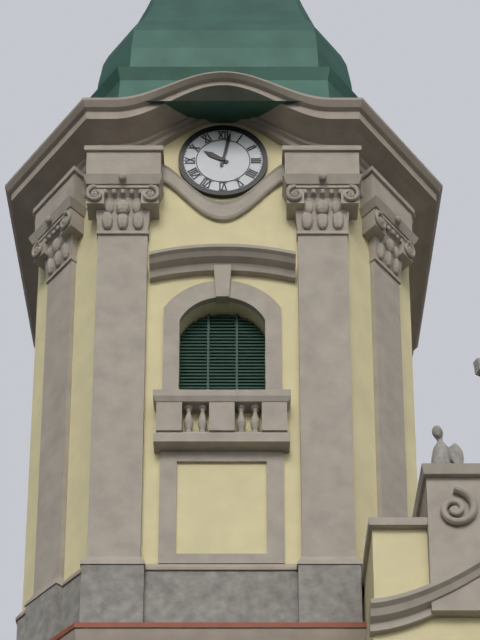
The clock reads 10.02
